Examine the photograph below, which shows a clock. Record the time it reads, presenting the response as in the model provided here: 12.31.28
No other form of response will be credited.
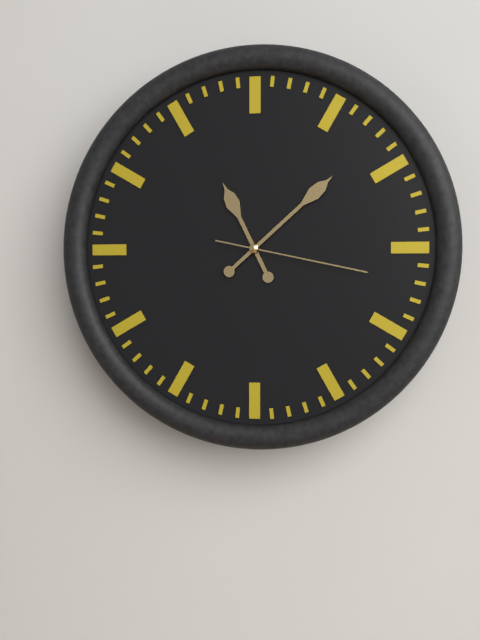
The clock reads 11.08.17
